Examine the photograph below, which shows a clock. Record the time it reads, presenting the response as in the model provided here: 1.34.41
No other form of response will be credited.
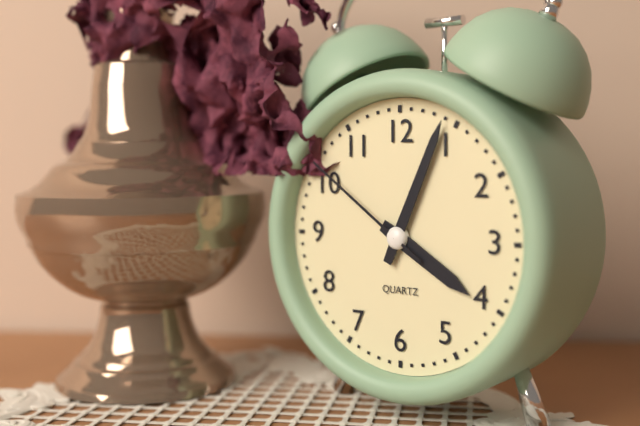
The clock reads 4.04.51
